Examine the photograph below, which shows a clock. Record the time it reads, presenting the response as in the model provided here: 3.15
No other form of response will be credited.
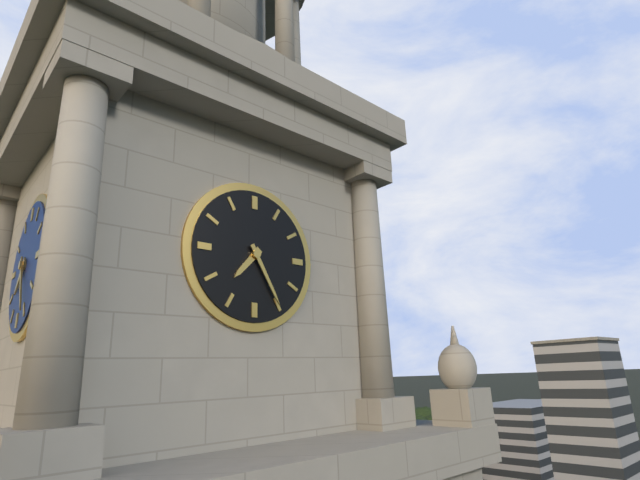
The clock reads 7.25
